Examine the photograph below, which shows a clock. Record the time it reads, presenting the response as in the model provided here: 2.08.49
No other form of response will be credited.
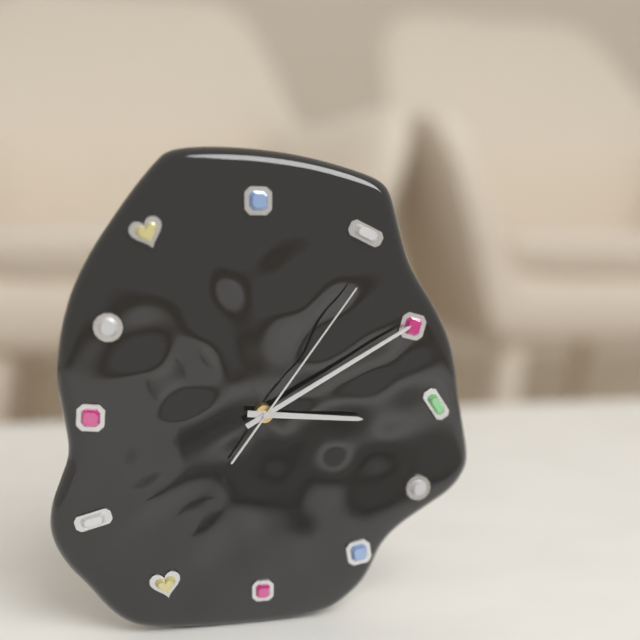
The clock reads 3.10.06
